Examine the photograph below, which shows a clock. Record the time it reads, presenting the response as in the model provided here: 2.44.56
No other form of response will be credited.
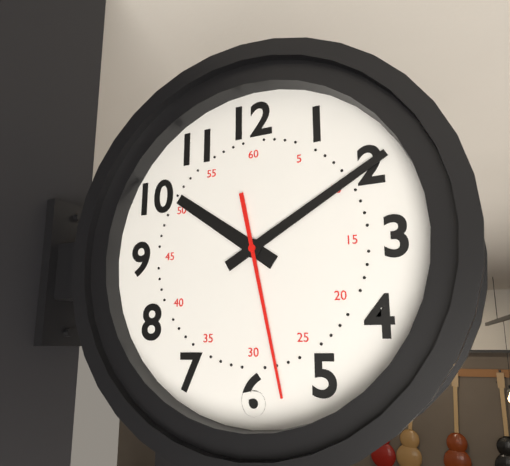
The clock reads 10.10.28
